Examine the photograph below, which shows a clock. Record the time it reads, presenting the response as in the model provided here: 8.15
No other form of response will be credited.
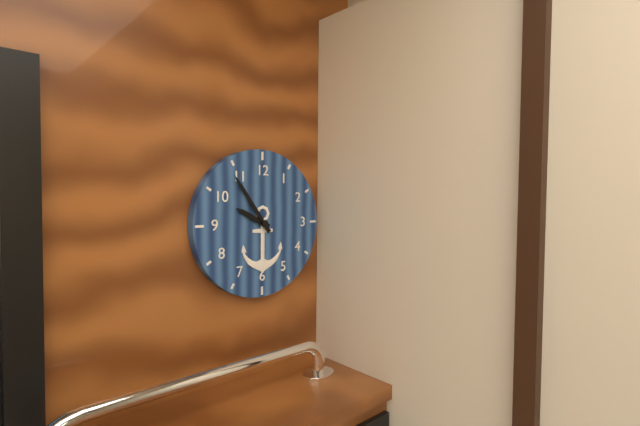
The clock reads 9.54
